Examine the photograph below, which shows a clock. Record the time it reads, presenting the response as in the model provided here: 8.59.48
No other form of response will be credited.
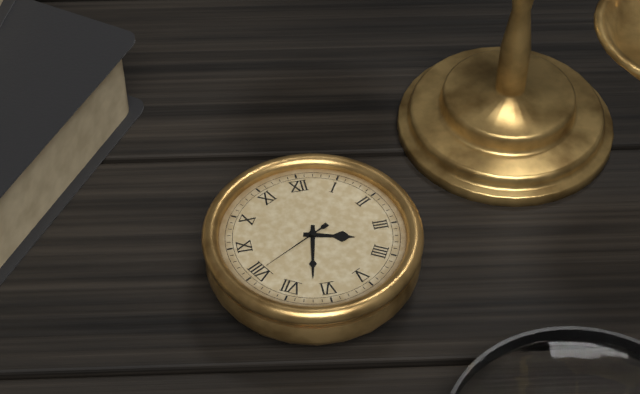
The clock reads 3.32.40
